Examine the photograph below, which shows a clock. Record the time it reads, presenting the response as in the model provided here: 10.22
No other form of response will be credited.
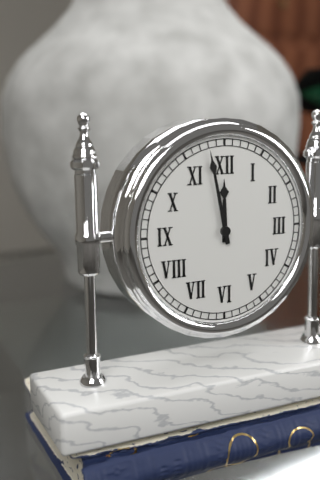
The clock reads 11.58
